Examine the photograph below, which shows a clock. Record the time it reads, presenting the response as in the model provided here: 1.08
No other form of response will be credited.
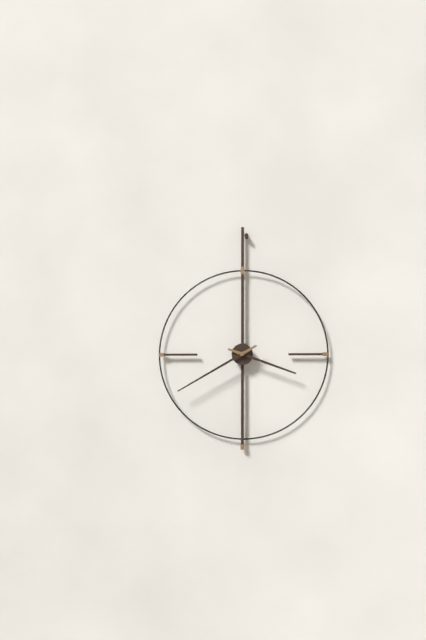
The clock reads 3.40
